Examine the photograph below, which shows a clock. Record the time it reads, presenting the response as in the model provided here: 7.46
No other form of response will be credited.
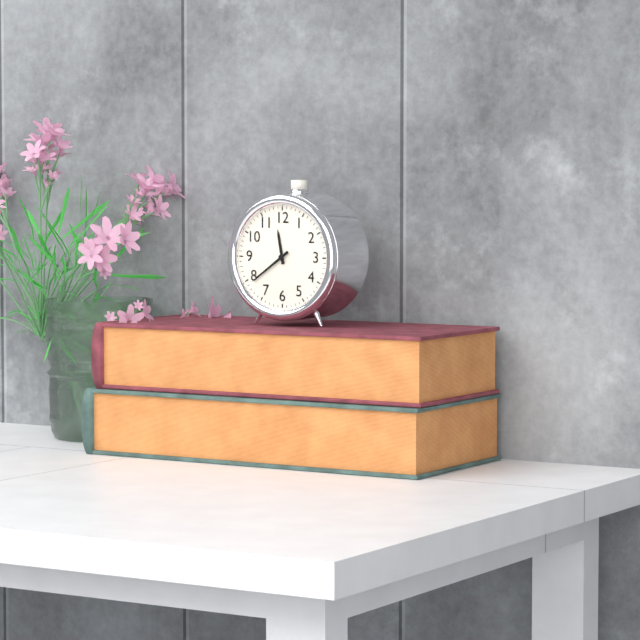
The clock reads 11.39
